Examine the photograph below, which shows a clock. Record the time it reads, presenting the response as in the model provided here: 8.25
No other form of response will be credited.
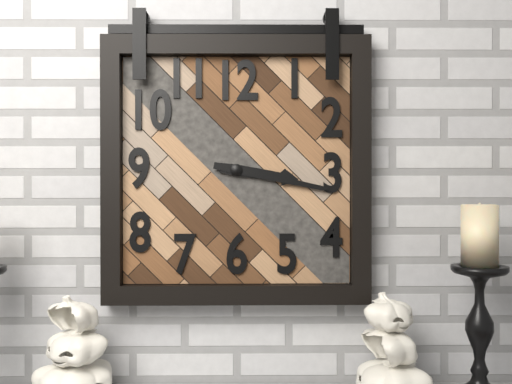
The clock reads 3.17
